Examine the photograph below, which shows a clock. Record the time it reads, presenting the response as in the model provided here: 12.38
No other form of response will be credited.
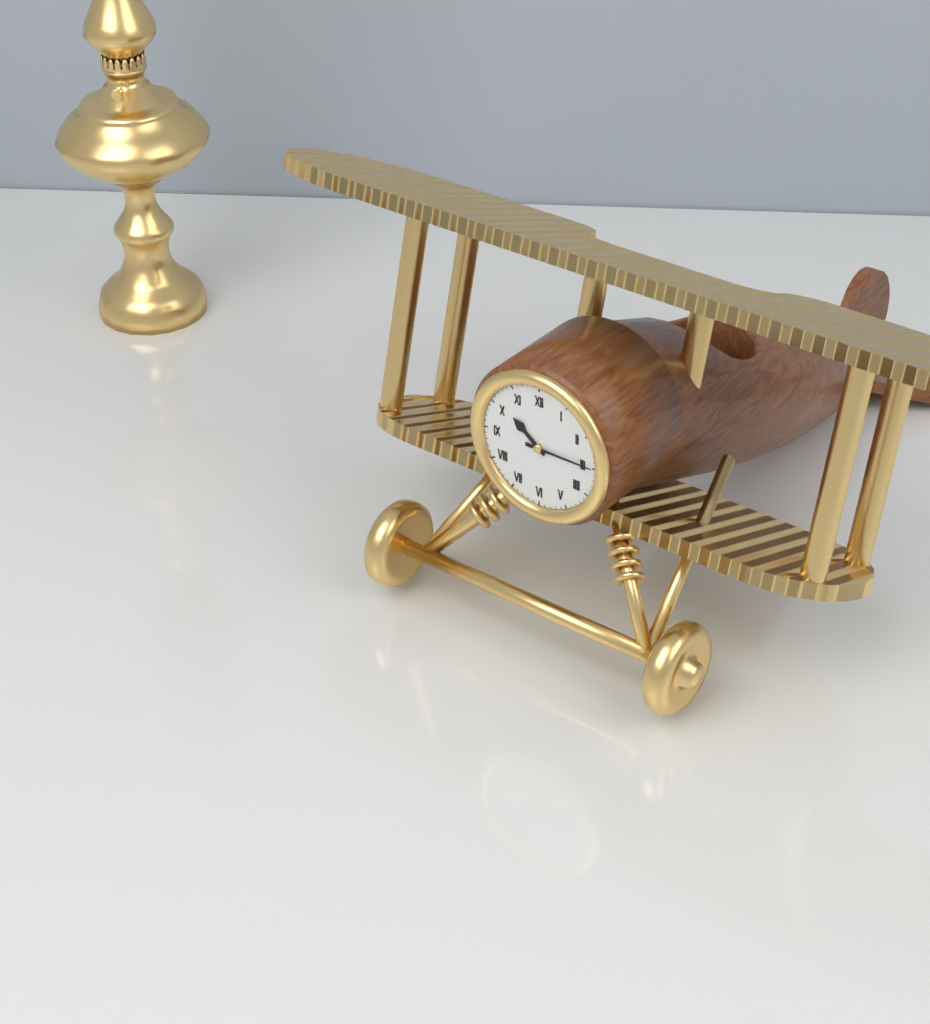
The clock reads 10.15
